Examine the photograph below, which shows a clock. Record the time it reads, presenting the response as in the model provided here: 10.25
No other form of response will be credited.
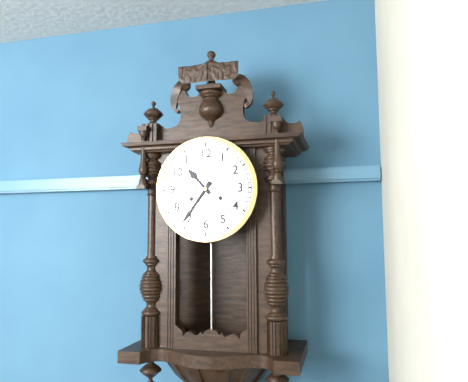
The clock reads 10.36
